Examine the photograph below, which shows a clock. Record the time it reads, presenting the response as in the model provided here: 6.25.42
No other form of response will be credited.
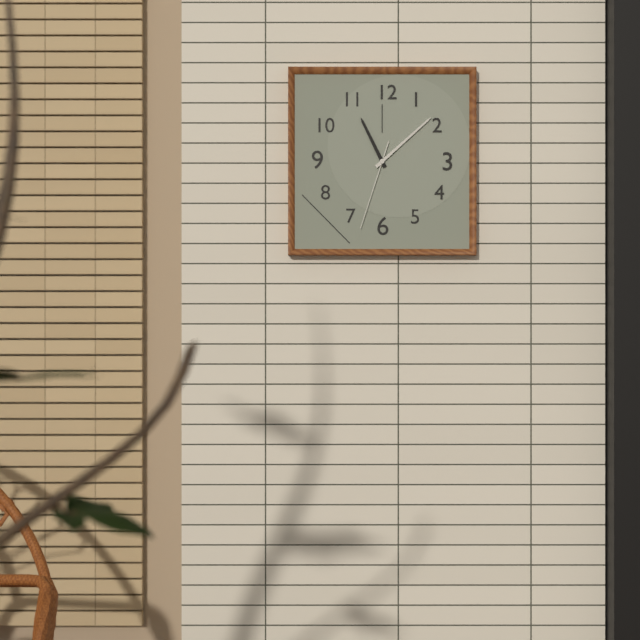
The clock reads 11.08.33
